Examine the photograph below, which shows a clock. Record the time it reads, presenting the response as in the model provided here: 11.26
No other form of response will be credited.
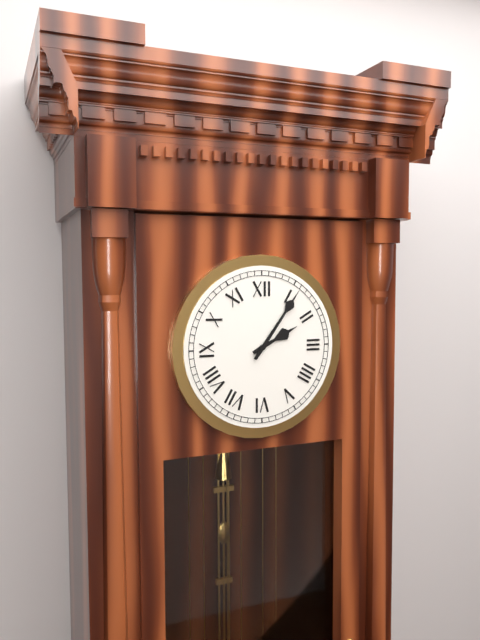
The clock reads 2.06
